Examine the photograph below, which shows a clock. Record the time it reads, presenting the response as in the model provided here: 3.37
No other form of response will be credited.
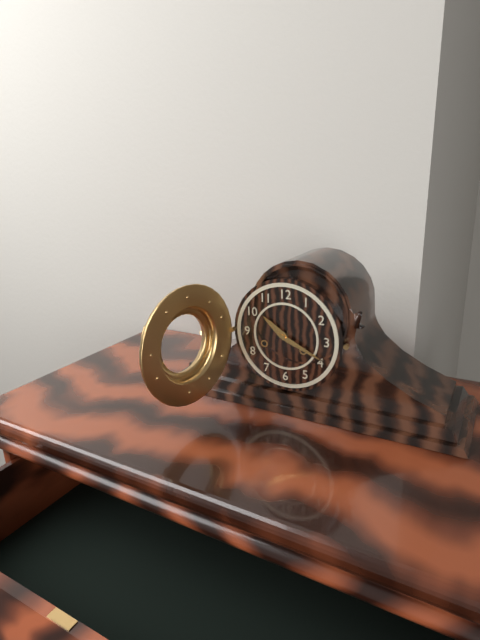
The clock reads 10.19
